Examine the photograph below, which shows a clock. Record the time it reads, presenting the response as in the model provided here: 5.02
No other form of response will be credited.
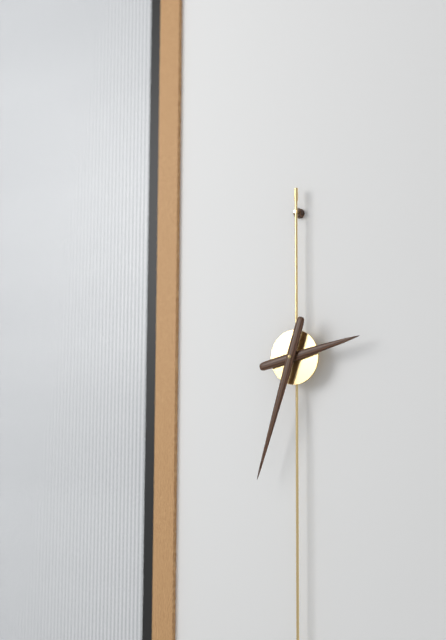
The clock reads 2.33
